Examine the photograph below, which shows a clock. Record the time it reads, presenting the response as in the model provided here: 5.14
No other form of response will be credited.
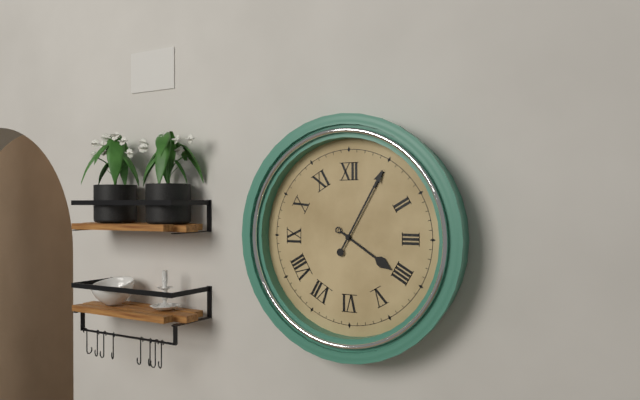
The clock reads 4.05
